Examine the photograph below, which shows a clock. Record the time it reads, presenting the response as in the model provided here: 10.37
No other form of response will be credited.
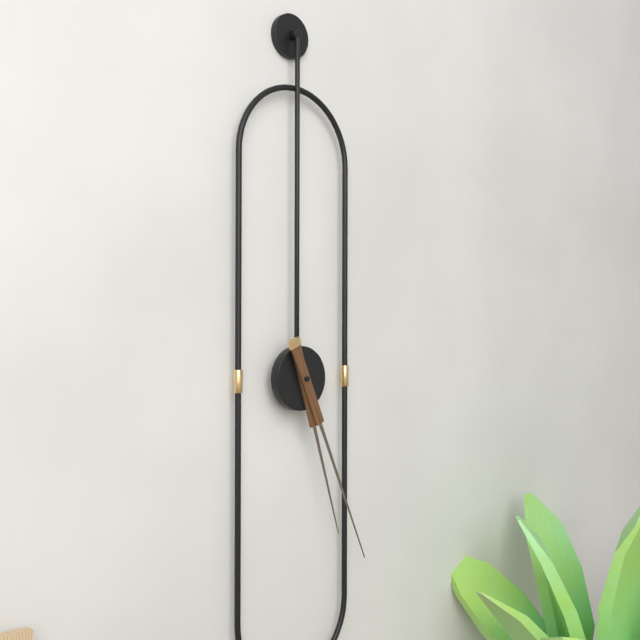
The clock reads 5.26
